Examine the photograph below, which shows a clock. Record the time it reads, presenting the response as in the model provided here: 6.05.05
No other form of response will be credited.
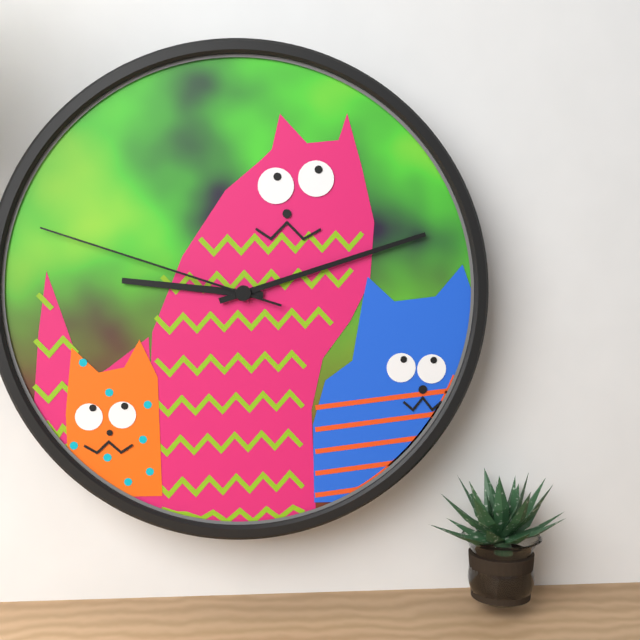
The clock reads 9.12.48
